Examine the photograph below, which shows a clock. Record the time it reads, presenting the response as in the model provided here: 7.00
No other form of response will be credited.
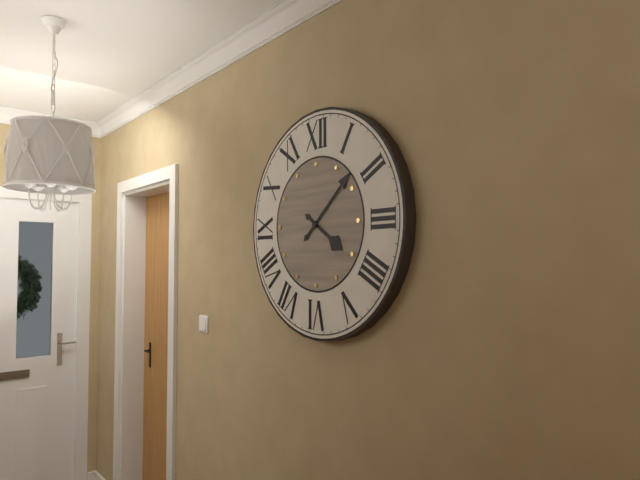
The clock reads 4.08
